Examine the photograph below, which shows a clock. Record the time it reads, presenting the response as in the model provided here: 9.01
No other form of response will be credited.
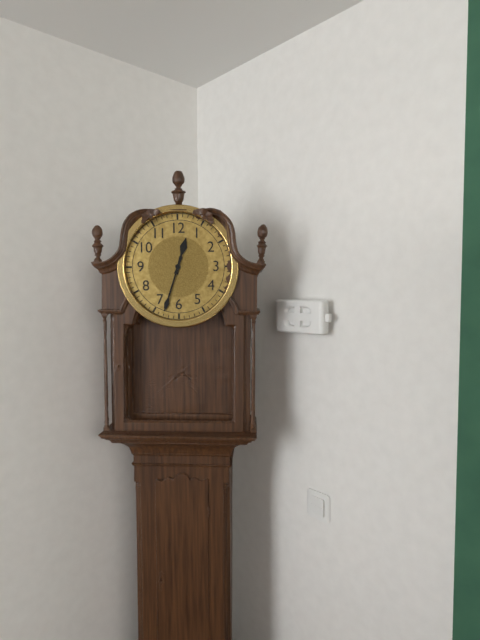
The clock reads 12.33
